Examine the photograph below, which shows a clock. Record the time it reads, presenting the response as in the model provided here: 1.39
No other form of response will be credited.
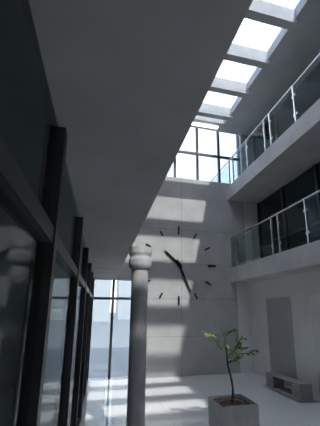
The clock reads 10.26
